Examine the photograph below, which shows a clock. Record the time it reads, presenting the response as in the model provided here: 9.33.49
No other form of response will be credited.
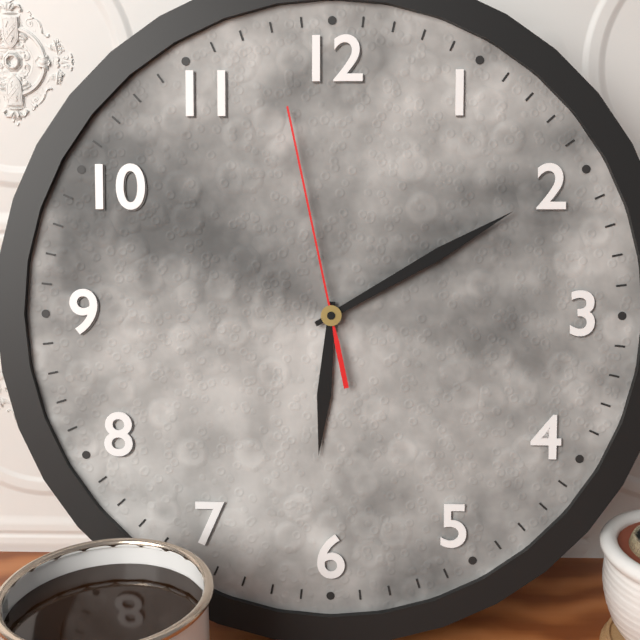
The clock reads 6.10.58
